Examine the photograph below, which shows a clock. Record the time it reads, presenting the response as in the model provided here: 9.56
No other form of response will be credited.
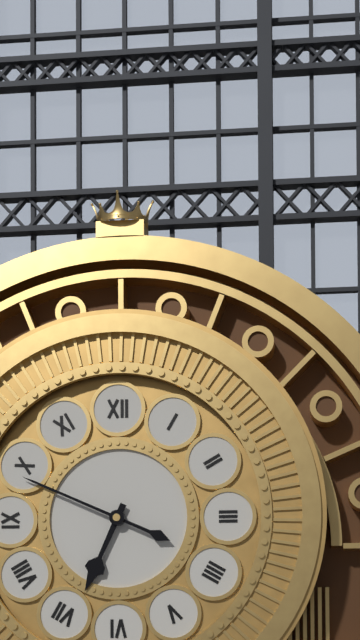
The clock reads 6.49
